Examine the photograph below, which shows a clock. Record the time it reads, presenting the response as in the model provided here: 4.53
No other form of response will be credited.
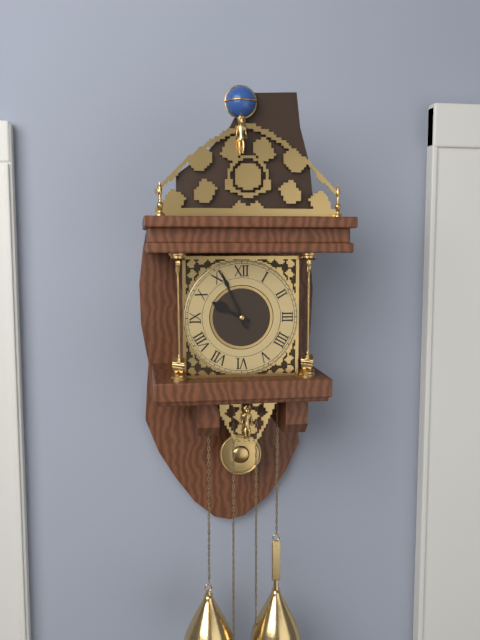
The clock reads 9.56
